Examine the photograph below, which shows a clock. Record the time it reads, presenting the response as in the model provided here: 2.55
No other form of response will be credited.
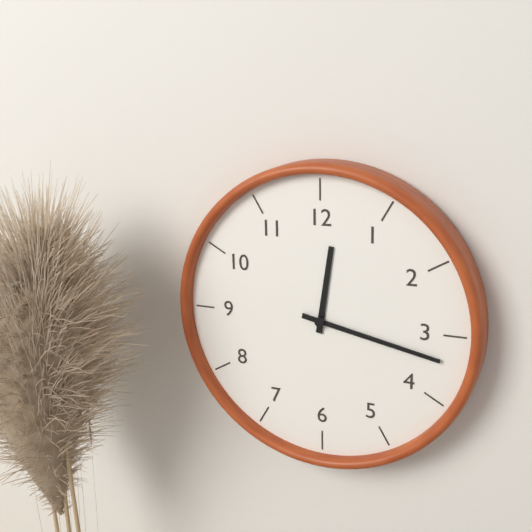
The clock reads 12.17
